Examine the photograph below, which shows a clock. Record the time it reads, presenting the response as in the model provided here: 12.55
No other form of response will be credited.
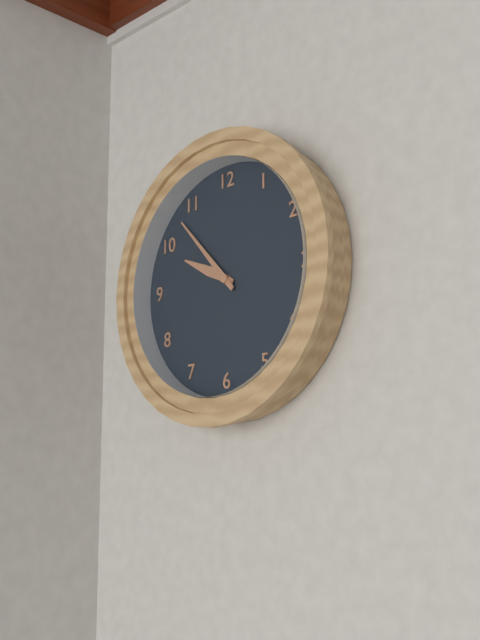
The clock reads 9.53
